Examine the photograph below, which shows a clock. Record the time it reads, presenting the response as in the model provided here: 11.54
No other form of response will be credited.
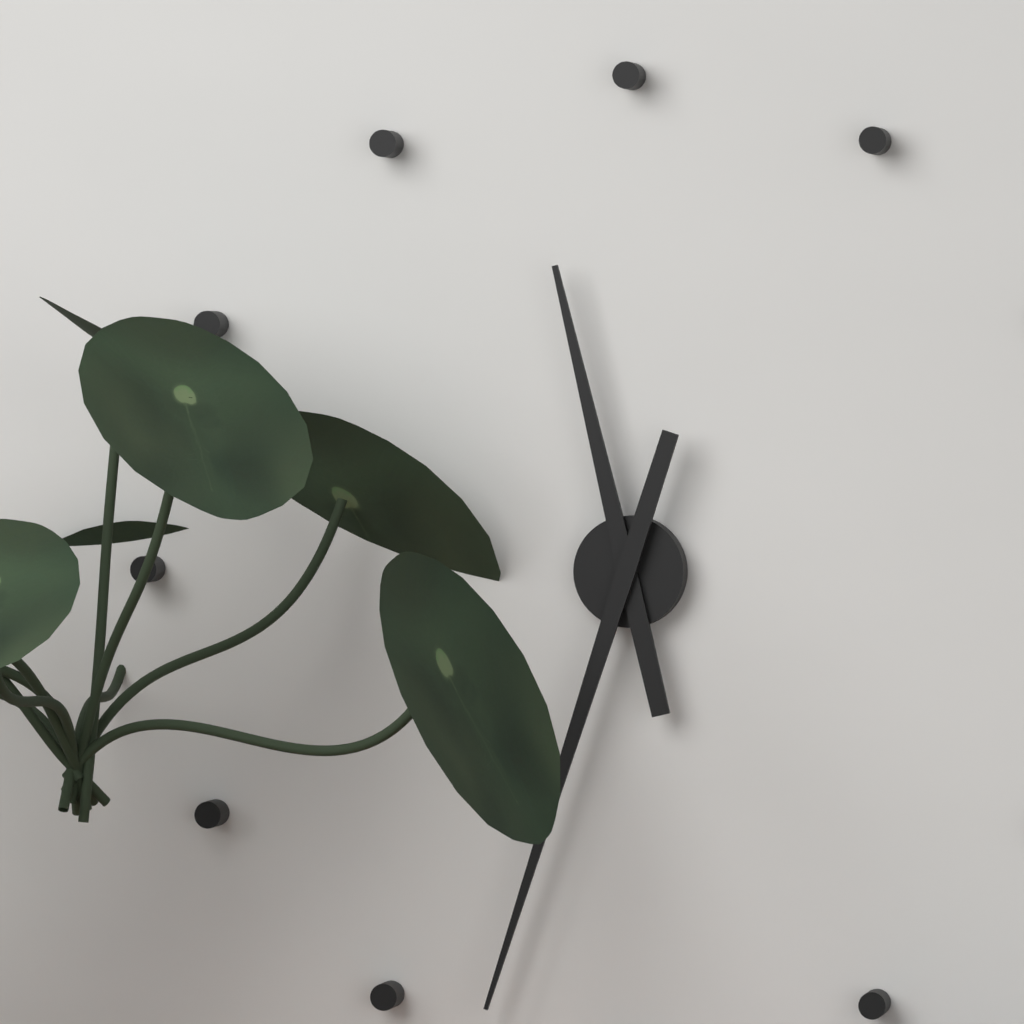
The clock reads 11.33
